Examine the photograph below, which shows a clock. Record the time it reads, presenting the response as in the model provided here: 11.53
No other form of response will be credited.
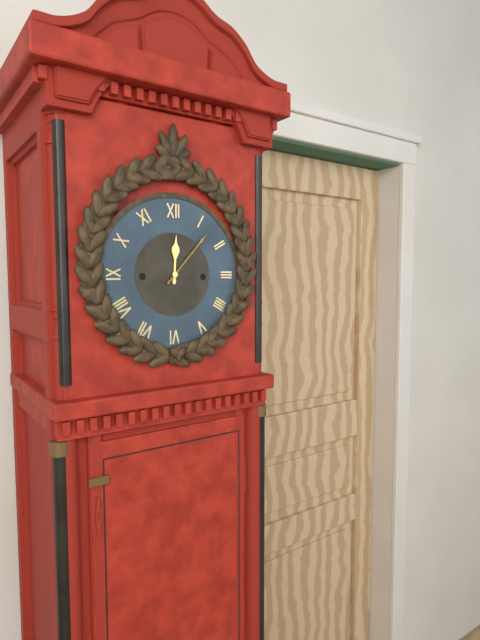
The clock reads 12.07
